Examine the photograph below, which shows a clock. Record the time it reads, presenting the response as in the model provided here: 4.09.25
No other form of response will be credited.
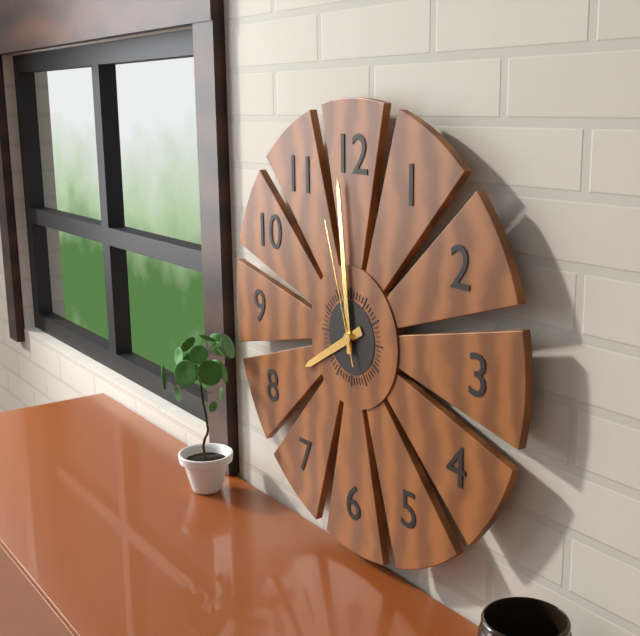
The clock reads 7.59.57
